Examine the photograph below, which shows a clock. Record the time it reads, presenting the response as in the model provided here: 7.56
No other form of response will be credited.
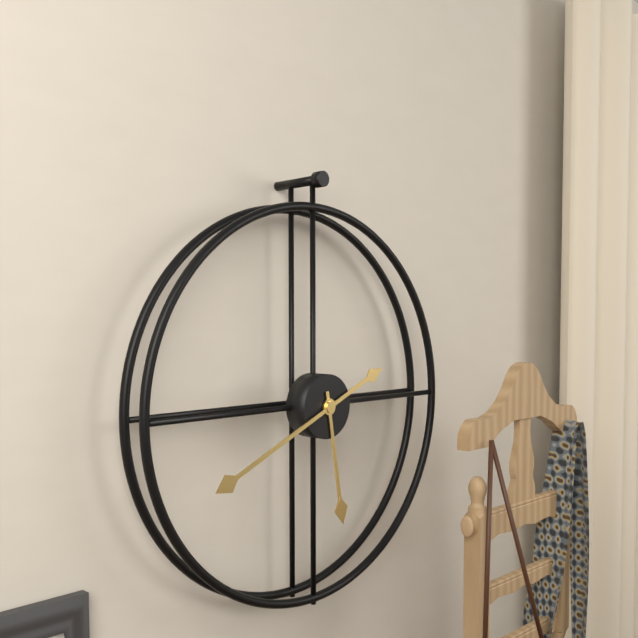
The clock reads 5.41
